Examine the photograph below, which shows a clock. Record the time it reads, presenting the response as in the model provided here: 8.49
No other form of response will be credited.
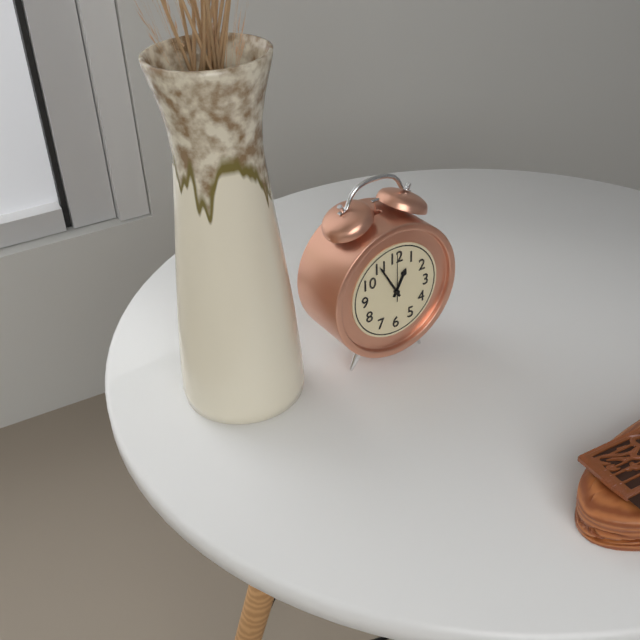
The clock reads 12.55
